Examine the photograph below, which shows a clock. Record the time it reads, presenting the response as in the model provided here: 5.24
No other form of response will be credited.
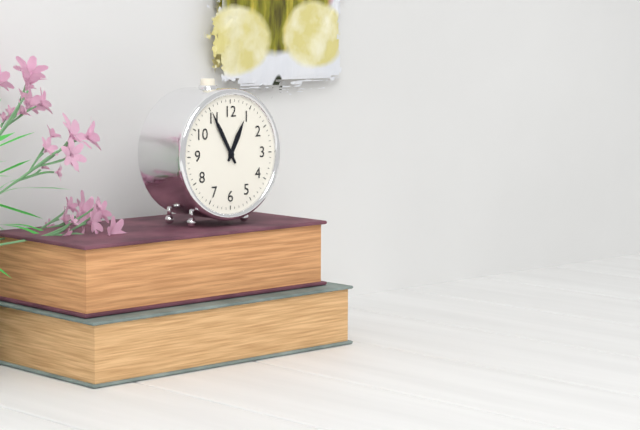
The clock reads 12.55
